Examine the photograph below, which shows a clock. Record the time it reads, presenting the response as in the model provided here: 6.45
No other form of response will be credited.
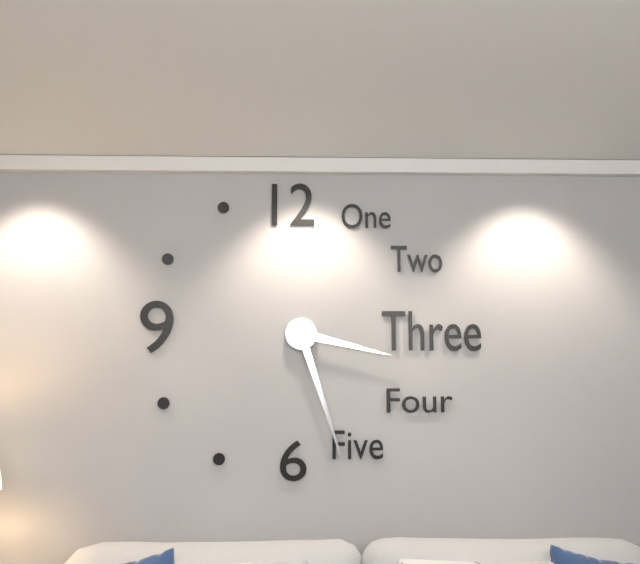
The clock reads 3.27
